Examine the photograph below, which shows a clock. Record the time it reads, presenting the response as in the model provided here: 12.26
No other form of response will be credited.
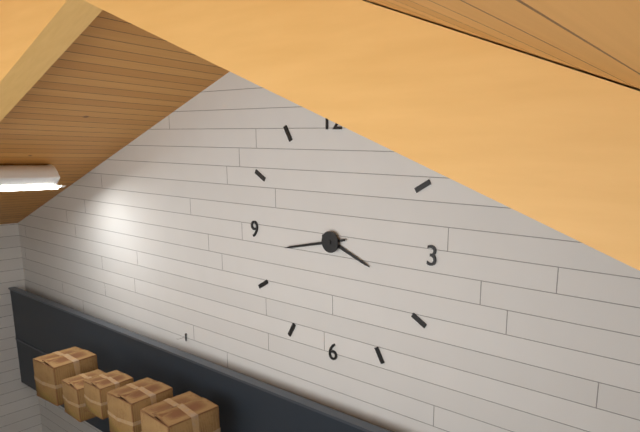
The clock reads 3.43
